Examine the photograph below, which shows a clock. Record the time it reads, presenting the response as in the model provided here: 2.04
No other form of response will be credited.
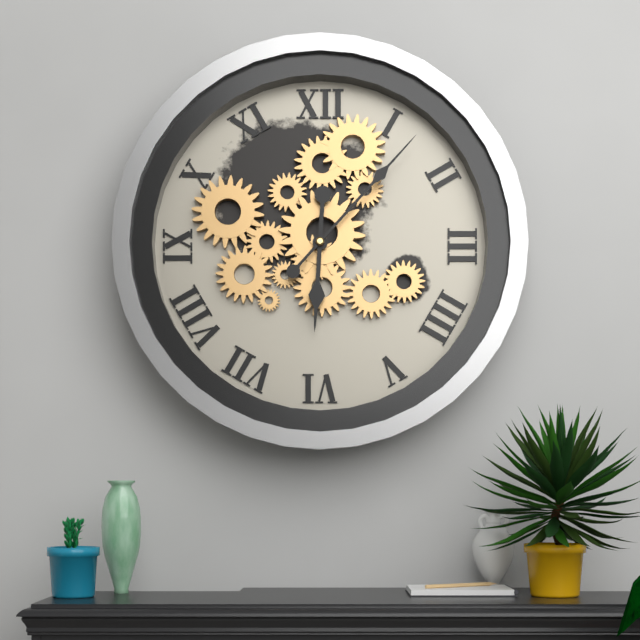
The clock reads 6.07
